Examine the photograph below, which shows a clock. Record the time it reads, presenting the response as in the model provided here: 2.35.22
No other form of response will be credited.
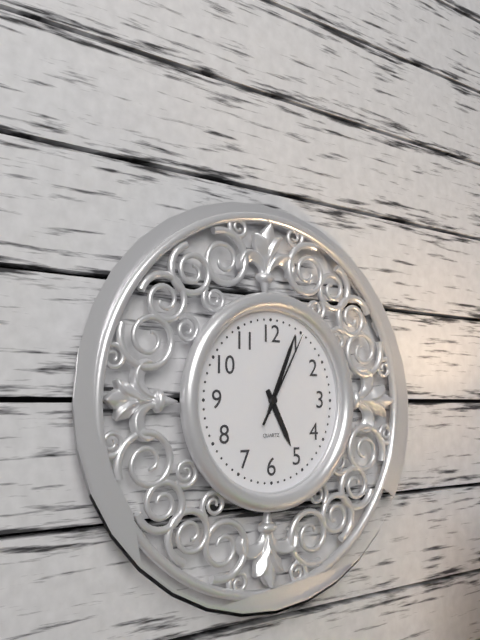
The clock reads 5.04.05
